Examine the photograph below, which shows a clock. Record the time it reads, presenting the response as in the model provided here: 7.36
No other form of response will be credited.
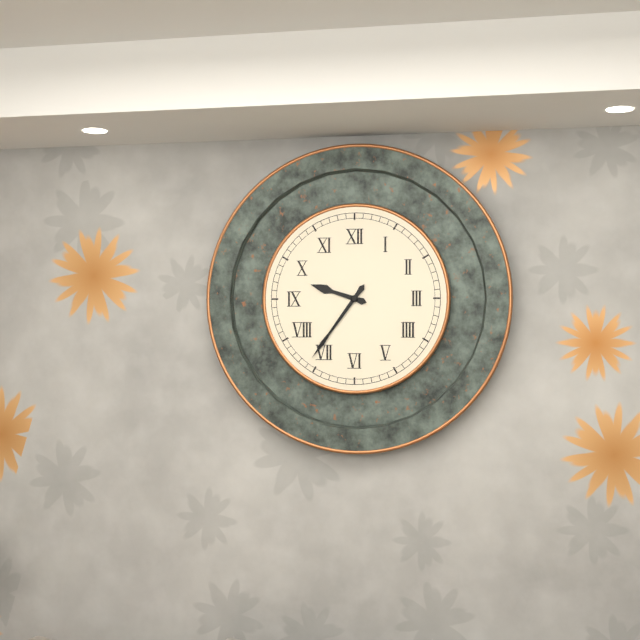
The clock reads 9.36
